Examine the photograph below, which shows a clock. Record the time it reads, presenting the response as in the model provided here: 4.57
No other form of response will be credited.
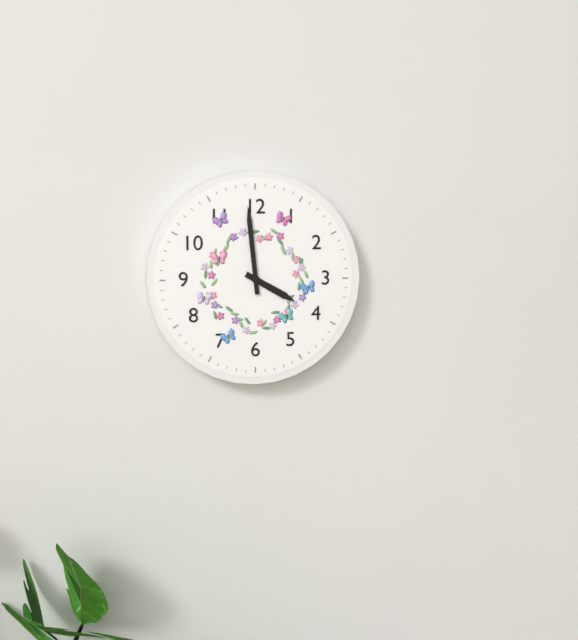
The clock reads 3.59
